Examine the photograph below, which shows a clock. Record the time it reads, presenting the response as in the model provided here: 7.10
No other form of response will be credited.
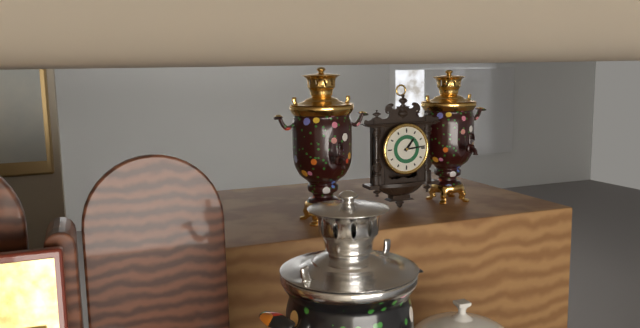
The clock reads 1.14
